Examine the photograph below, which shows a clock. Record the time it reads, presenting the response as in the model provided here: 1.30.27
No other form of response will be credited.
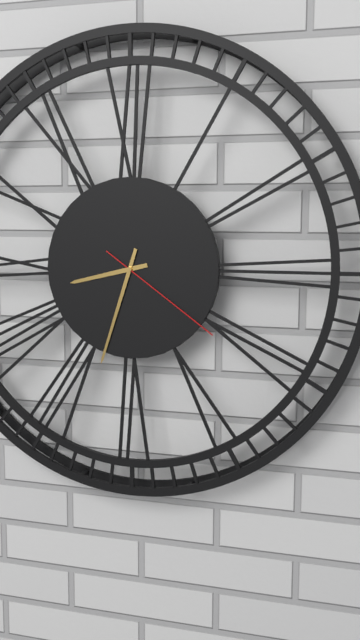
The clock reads 8.33.21
